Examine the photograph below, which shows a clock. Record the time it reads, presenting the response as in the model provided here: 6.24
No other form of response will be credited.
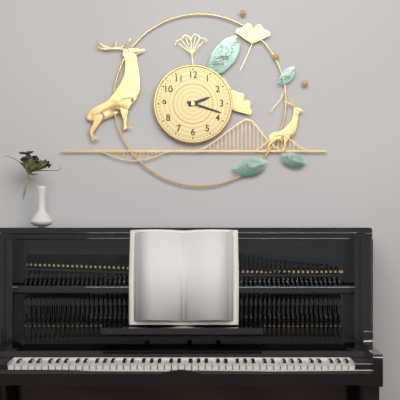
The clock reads 2.18
